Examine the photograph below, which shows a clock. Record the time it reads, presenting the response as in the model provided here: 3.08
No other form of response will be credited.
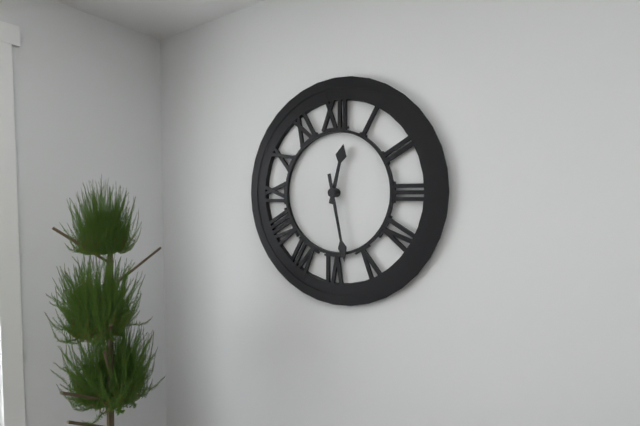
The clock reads 12.28
